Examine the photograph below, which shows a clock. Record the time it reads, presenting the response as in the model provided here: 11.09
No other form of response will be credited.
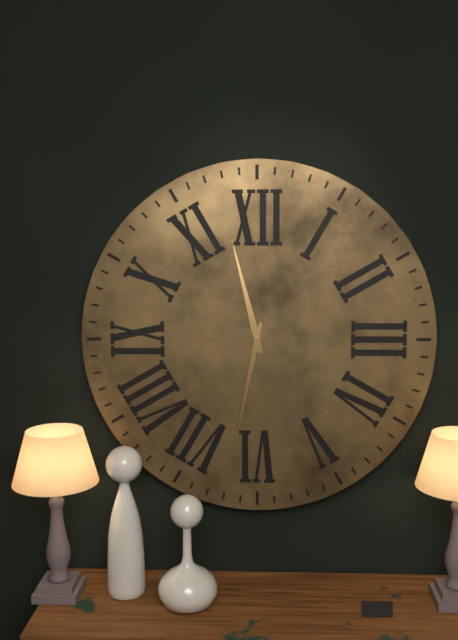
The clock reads 11.32
